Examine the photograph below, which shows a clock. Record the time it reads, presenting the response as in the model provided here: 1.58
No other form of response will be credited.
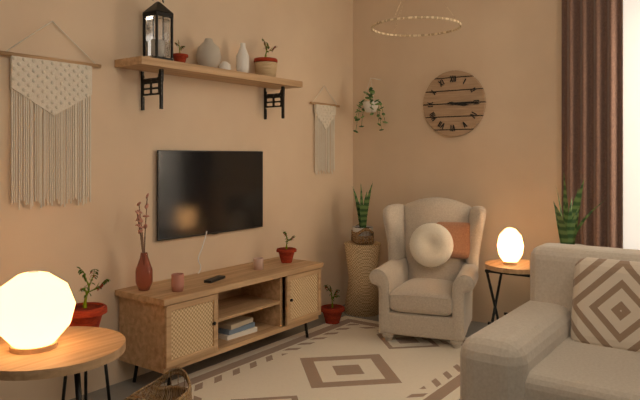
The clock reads 3.15
